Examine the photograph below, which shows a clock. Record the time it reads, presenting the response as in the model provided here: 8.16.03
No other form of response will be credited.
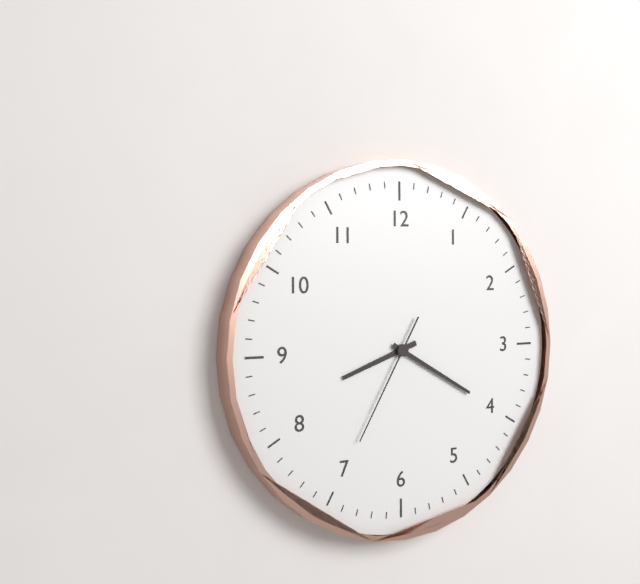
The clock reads 8.20.35
